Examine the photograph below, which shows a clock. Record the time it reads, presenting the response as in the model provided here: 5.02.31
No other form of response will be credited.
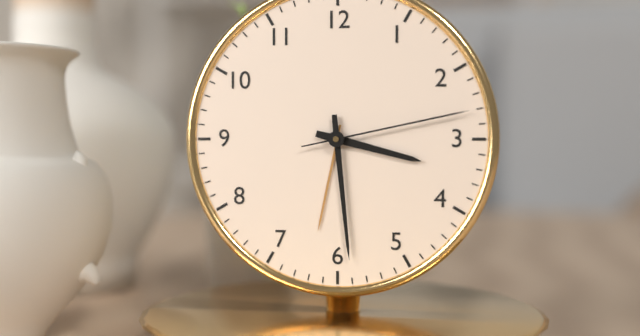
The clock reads 3.29.13
